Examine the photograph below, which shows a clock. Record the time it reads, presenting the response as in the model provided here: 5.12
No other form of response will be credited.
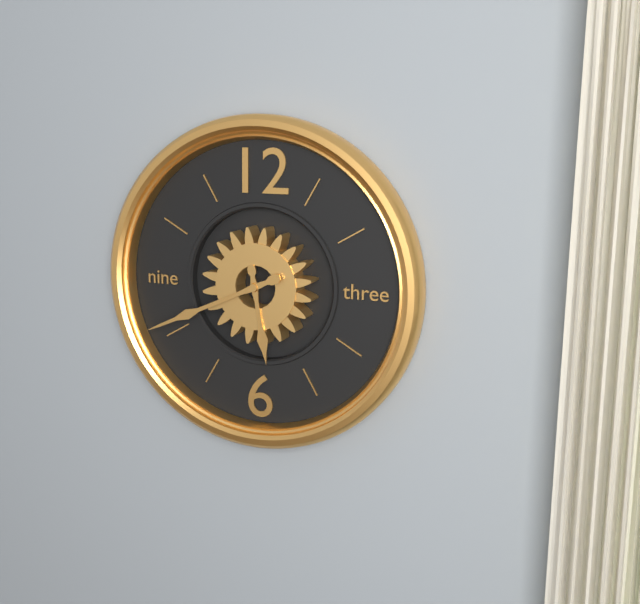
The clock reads 5.41
